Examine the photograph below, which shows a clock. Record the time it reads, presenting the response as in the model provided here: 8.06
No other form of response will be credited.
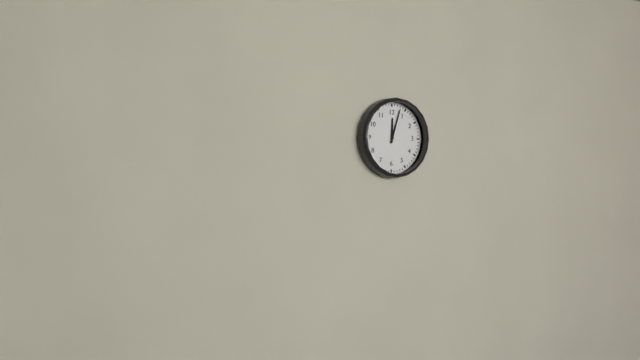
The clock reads 12.03
